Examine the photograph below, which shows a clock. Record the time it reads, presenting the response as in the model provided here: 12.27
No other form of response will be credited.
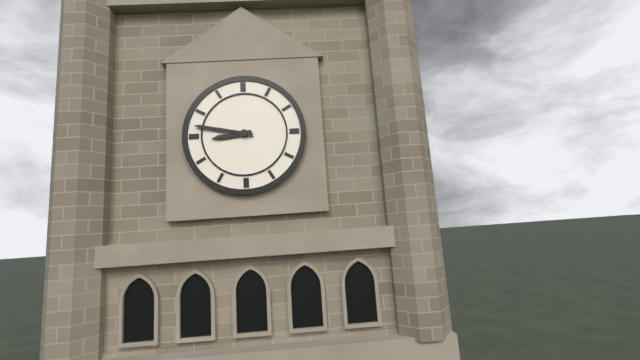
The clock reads 8.47
